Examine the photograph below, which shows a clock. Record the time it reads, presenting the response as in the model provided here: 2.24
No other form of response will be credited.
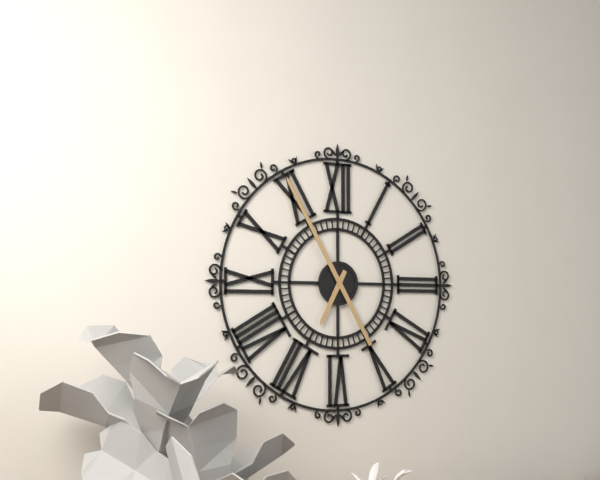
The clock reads 6.55
